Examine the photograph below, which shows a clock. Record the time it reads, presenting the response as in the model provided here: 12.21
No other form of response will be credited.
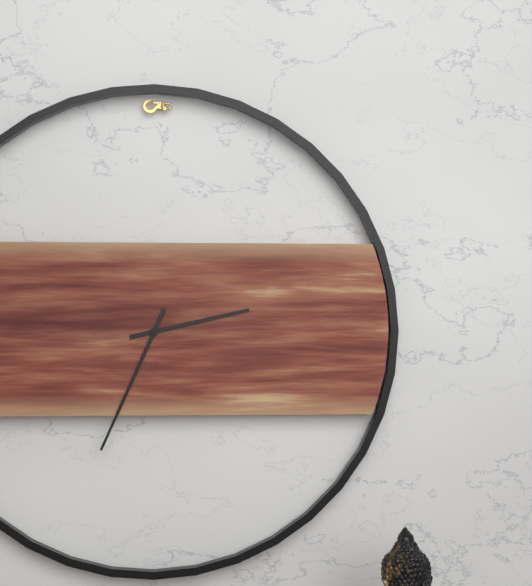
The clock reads 2.34
